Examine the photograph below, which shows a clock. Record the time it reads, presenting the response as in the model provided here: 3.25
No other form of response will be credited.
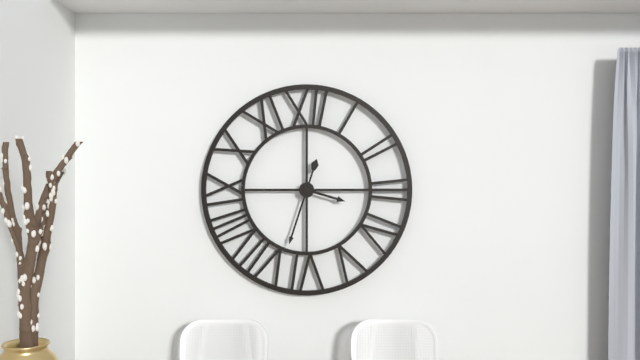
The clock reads 3.33
